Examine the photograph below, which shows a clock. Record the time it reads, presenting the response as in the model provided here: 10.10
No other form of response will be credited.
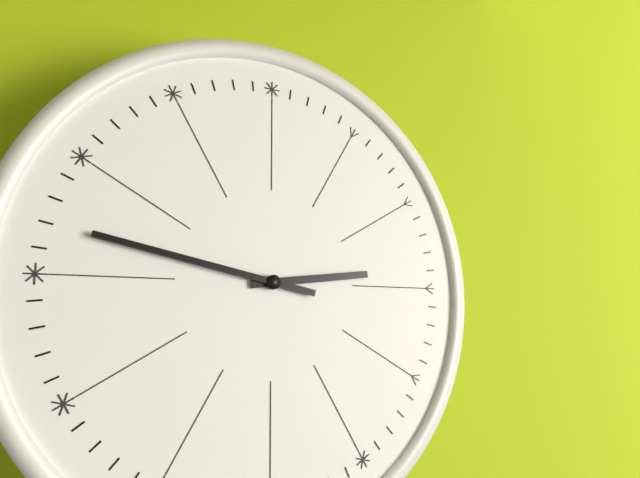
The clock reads 2.47
